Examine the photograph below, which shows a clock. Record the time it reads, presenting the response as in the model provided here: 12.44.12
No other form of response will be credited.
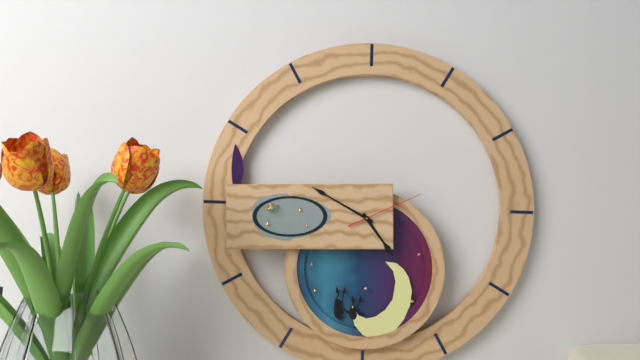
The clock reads 4.50.11
